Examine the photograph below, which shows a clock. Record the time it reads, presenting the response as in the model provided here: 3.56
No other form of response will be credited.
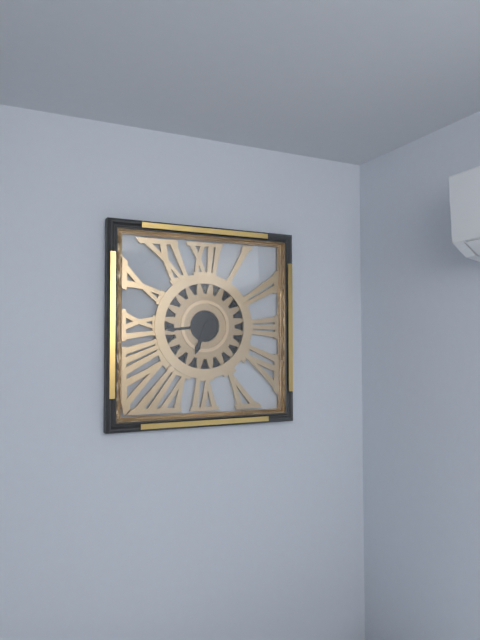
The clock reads 6.44
